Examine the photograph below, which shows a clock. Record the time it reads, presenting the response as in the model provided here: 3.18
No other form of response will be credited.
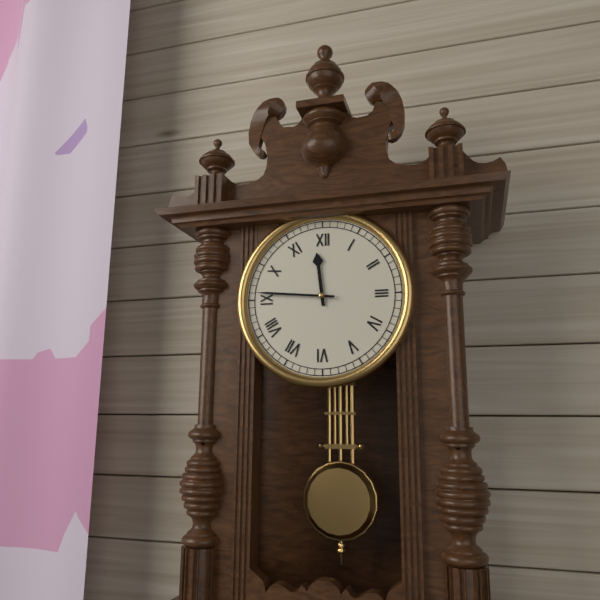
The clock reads 11.46
